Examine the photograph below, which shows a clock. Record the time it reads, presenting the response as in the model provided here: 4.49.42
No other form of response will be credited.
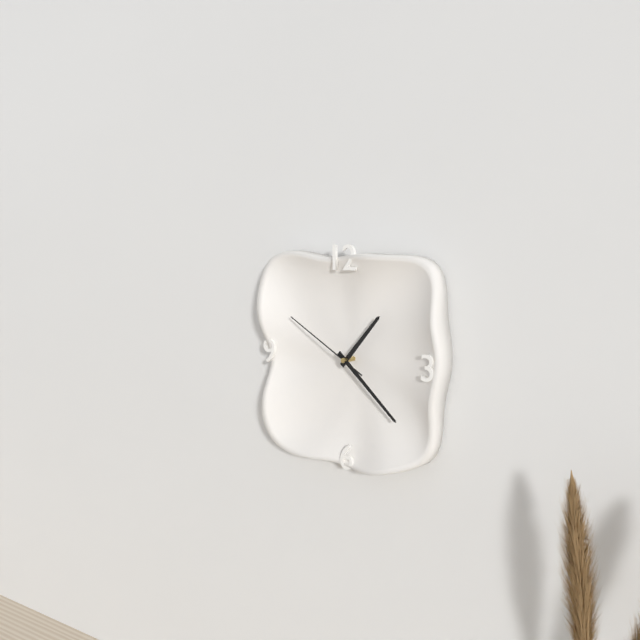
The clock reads 1.22.50
